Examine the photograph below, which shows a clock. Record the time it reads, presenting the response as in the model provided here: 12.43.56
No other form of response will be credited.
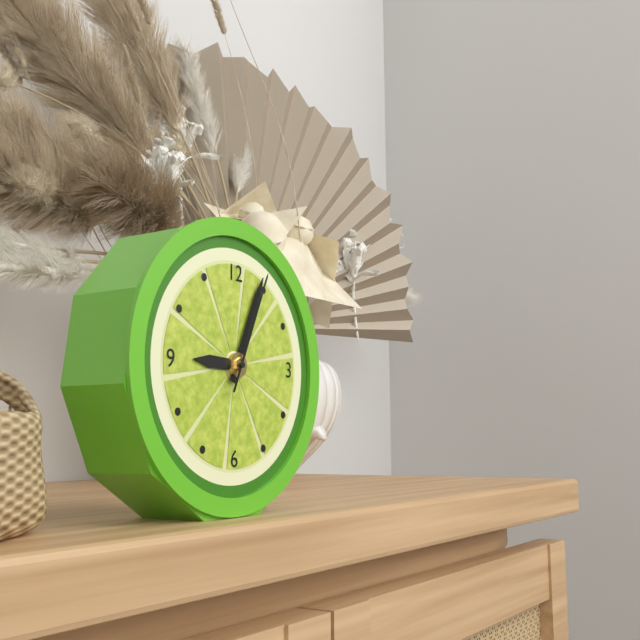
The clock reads 9.04.04
